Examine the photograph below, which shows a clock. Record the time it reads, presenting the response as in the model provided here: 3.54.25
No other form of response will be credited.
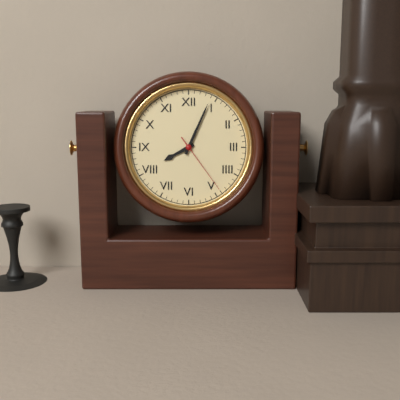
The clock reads 8.04.24
